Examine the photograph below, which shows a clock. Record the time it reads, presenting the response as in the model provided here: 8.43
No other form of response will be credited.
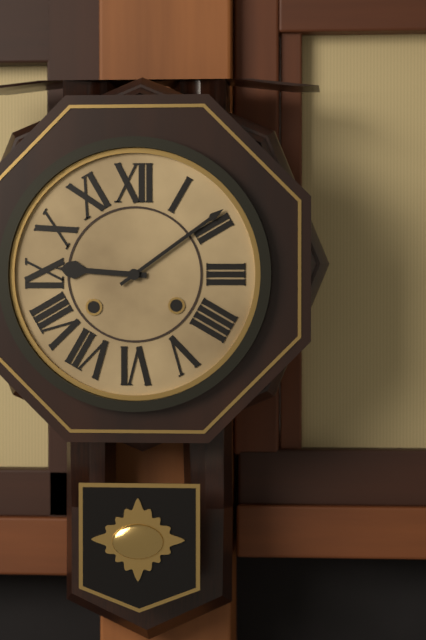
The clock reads 9.09
